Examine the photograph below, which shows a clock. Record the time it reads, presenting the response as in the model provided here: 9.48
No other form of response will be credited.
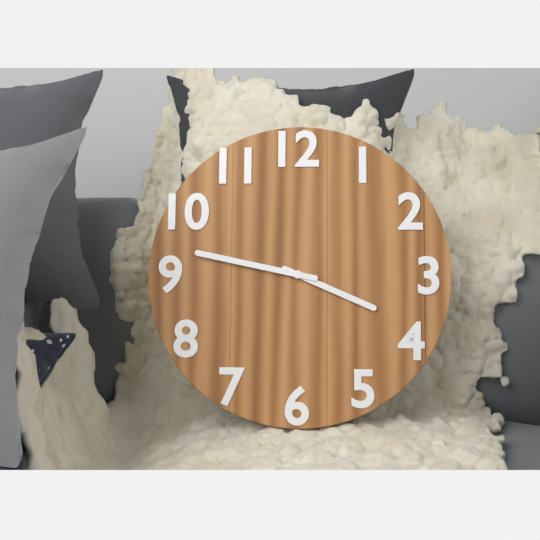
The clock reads 3.47
